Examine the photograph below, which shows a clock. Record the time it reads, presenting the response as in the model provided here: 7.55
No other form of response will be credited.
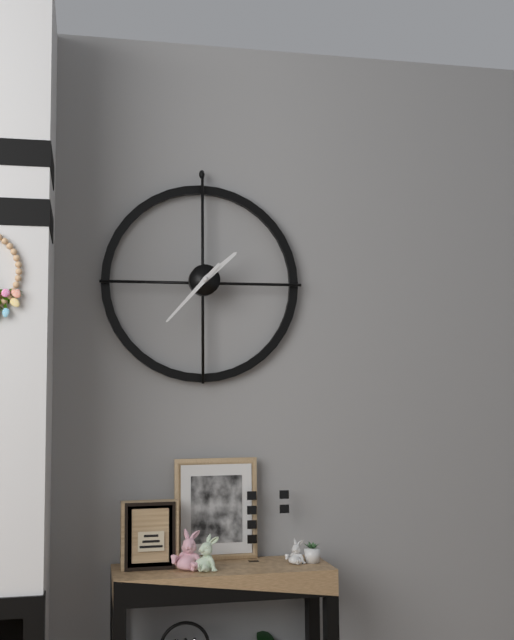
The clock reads 1.37
